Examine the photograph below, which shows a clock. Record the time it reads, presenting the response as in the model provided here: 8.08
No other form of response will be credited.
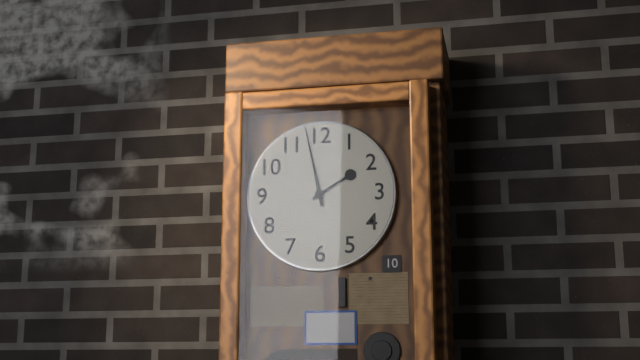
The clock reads 1.58
